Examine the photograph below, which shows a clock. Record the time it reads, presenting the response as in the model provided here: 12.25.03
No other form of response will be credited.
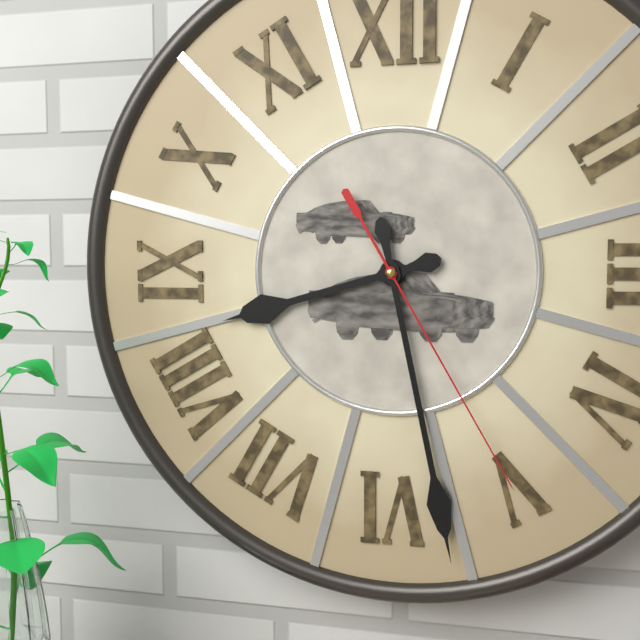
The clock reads 8.28.25
